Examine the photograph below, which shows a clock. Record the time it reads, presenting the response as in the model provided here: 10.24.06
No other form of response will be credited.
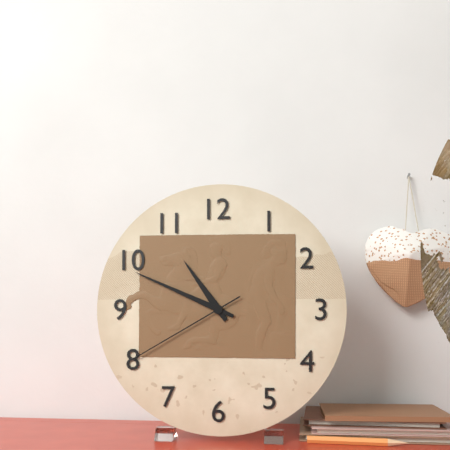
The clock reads 10.49.40
